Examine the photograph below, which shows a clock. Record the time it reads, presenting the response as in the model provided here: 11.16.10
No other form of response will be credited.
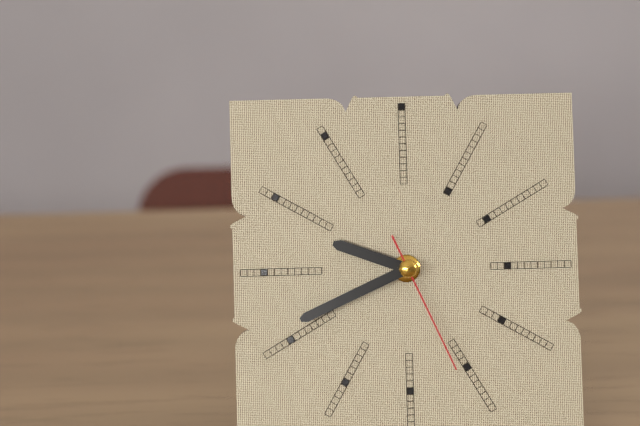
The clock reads 9.41.26
